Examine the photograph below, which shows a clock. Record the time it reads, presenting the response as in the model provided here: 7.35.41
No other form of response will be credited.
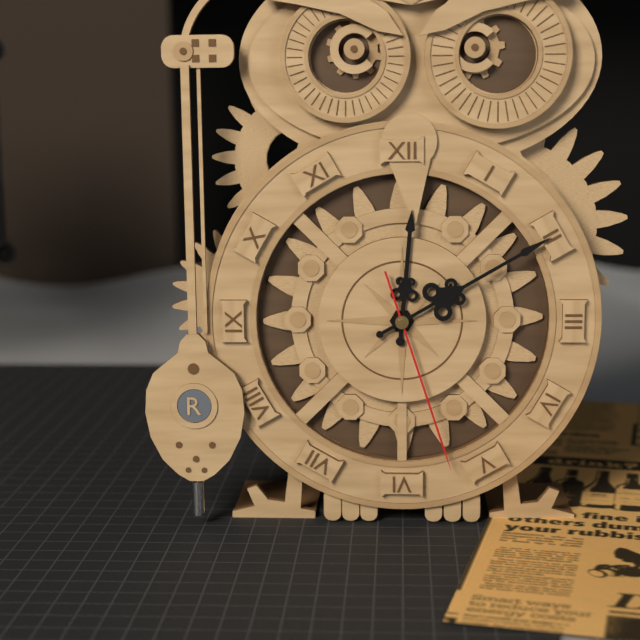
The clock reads 12.10.27
